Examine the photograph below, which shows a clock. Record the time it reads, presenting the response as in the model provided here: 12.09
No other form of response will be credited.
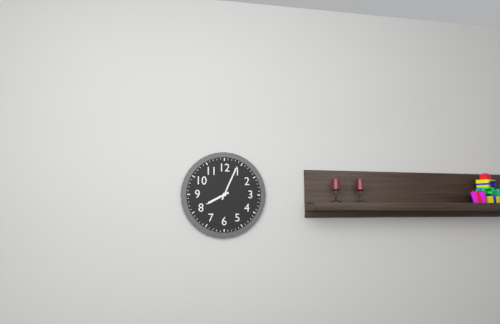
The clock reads 8.04
